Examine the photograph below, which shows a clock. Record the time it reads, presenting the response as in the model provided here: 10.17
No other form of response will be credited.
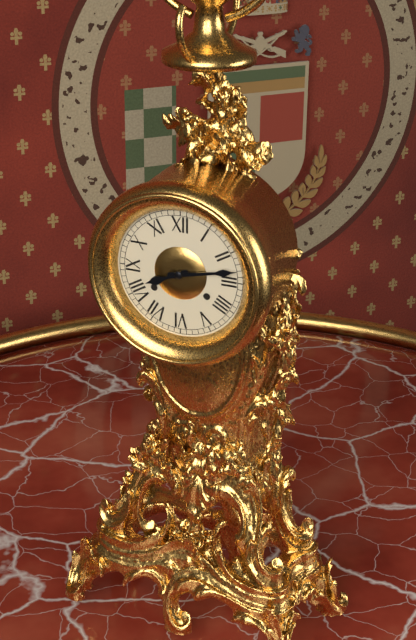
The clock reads 8.13
